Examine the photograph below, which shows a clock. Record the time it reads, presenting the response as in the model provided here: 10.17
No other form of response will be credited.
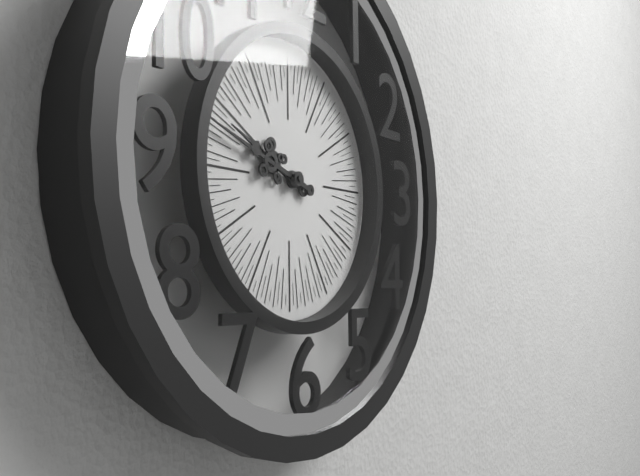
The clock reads 9.48
